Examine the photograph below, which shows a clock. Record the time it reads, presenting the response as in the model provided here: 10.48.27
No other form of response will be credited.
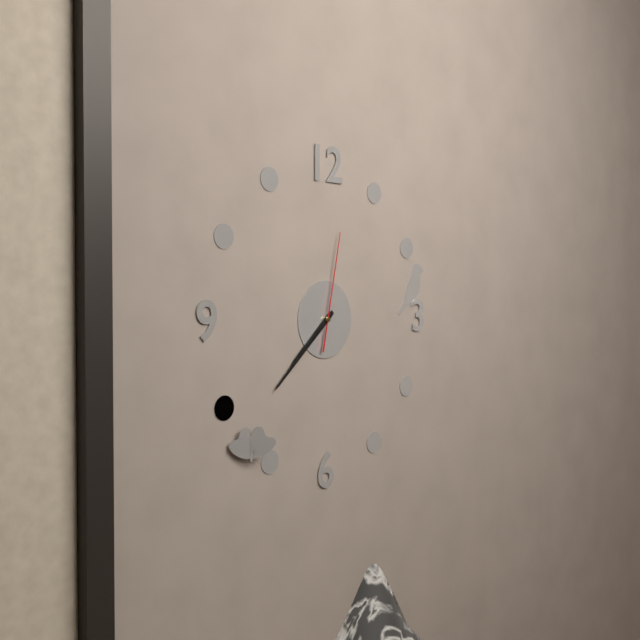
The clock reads 7.38.02
